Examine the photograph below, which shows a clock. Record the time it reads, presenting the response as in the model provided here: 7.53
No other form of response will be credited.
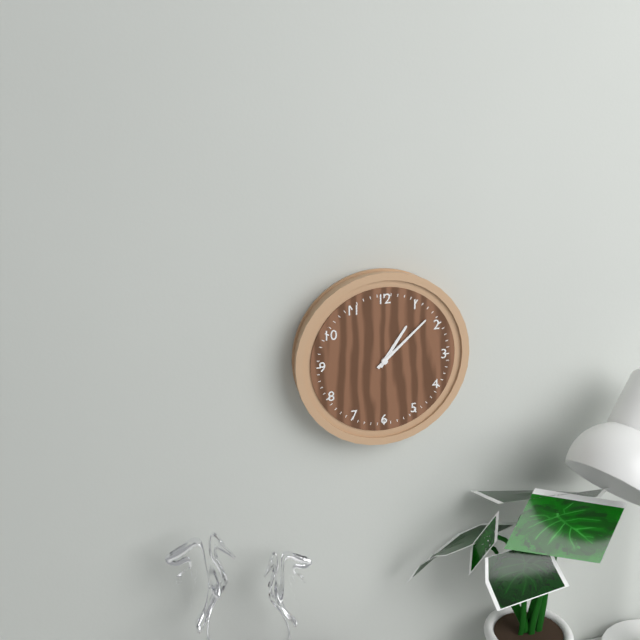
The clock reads 1.08
